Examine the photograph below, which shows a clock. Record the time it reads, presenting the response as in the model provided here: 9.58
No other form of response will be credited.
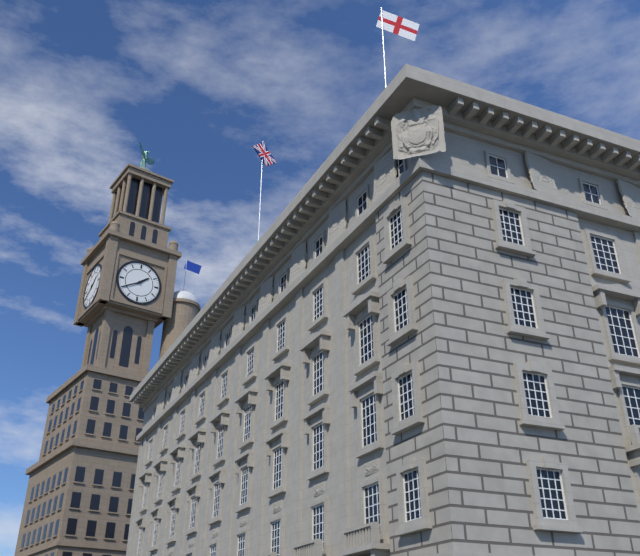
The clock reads 1.40
